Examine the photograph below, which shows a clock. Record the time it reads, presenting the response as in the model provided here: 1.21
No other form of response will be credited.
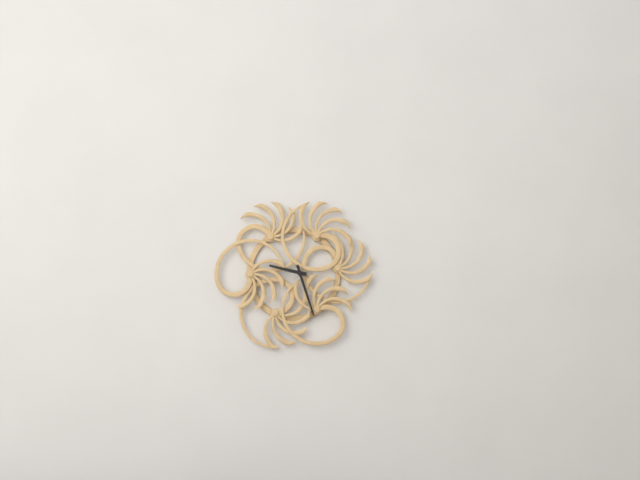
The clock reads 9.27
